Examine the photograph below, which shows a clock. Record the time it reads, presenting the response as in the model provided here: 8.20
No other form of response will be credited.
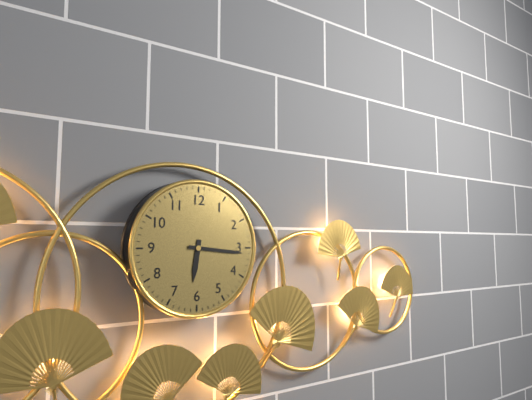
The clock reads 6.16
